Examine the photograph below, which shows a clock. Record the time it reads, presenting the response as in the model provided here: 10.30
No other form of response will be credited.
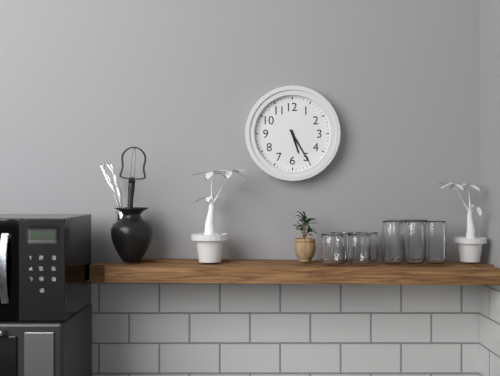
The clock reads 5.25
